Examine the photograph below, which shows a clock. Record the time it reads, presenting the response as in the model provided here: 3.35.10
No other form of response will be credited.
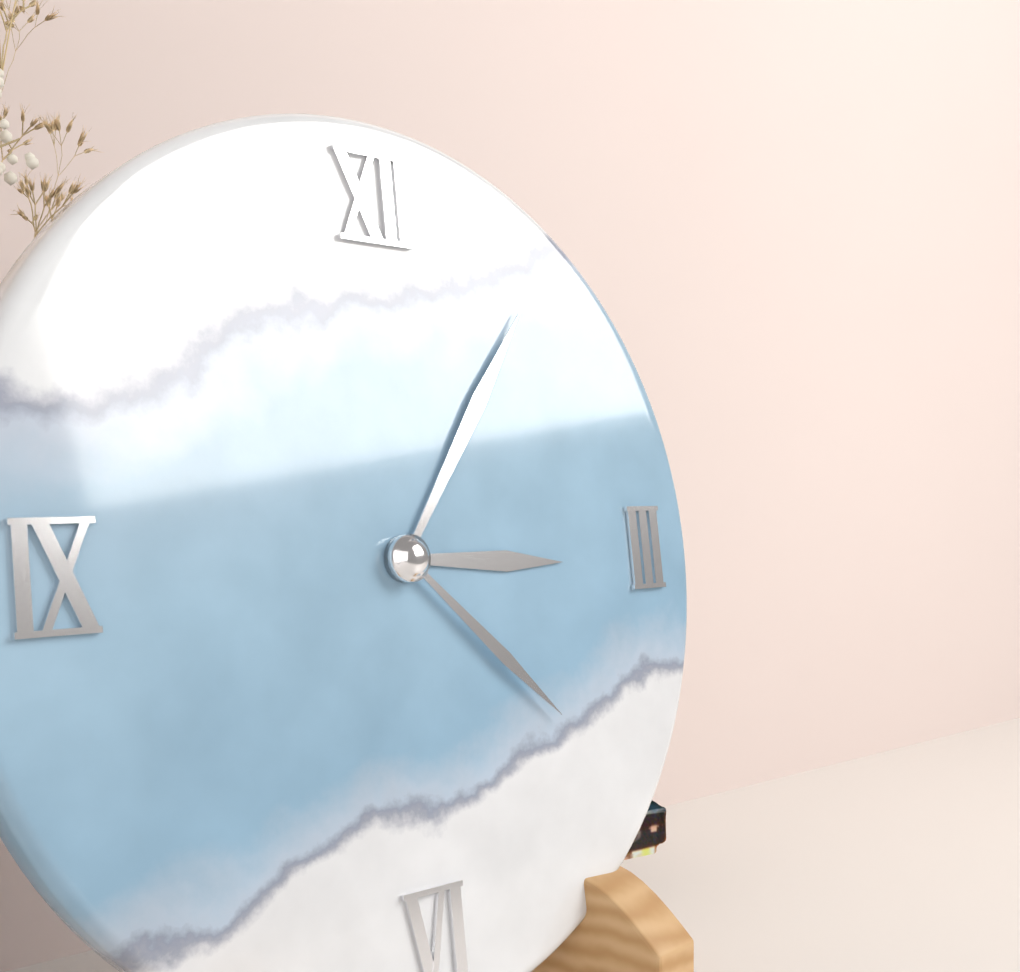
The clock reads 3.06.22
